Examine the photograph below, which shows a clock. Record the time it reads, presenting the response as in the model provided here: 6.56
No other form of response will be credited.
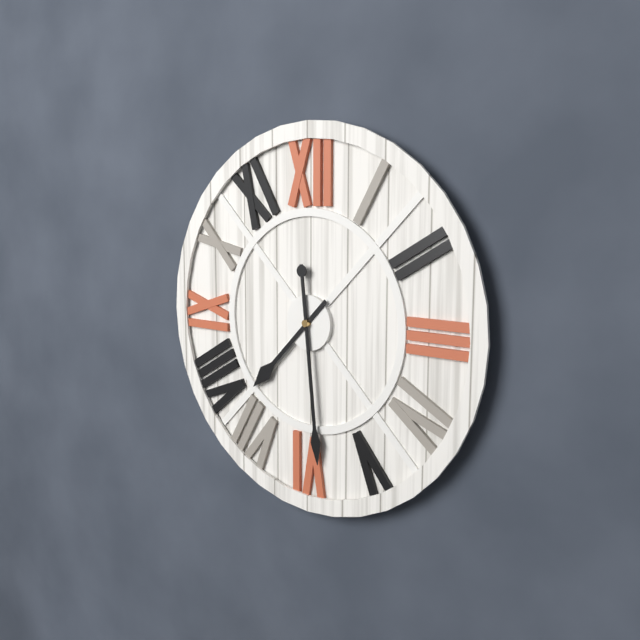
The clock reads 7.29
